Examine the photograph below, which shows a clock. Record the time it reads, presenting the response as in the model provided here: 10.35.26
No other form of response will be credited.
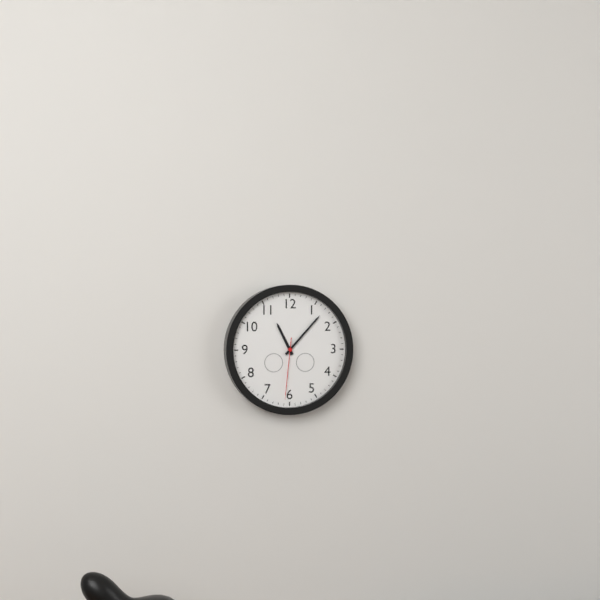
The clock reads 11.07.31
